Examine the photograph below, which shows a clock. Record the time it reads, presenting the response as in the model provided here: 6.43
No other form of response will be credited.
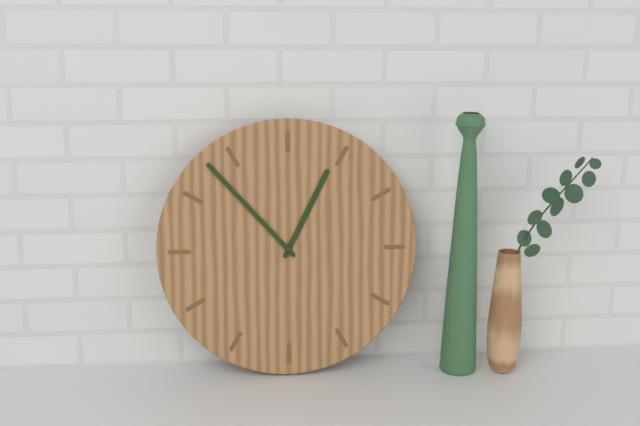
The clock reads 12.53
